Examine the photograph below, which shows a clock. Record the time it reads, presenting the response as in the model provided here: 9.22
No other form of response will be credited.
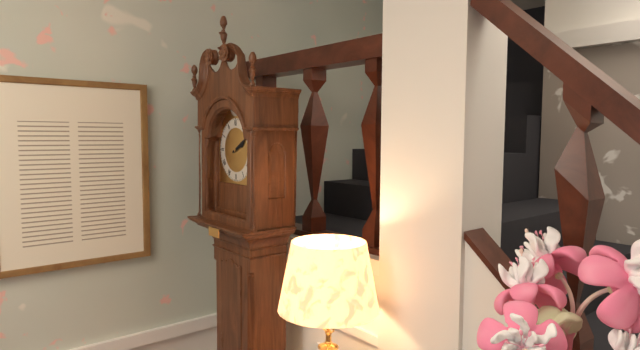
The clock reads 2.10
